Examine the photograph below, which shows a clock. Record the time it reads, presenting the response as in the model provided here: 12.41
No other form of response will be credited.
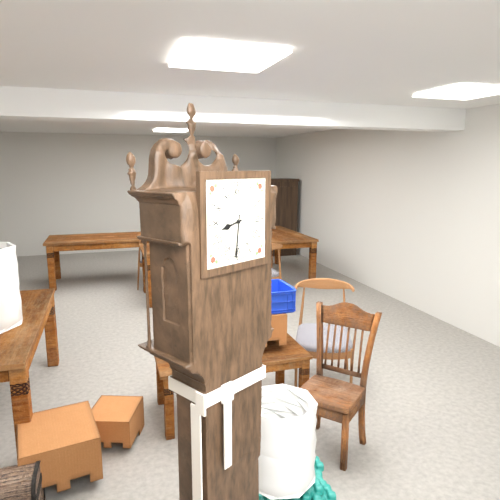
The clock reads 8.31
